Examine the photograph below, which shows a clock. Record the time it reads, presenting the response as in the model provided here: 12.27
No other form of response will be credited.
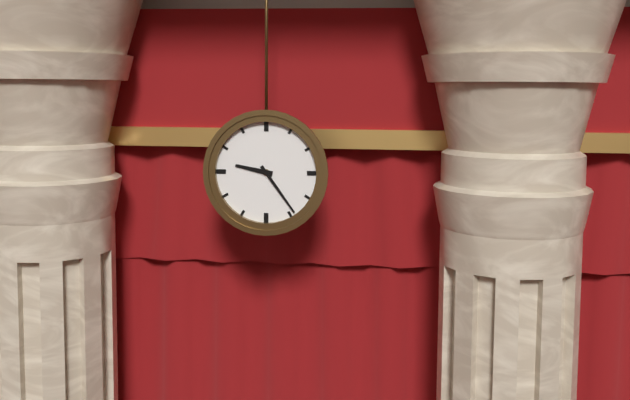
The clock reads 9.24
